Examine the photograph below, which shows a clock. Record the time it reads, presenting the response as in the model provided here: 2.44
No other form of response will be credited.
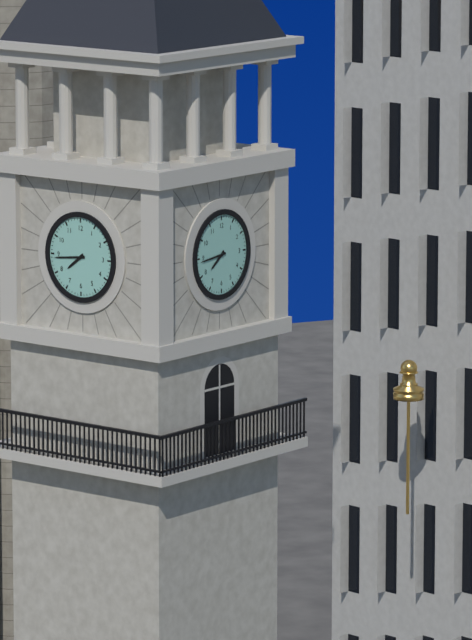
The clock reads 7.44
